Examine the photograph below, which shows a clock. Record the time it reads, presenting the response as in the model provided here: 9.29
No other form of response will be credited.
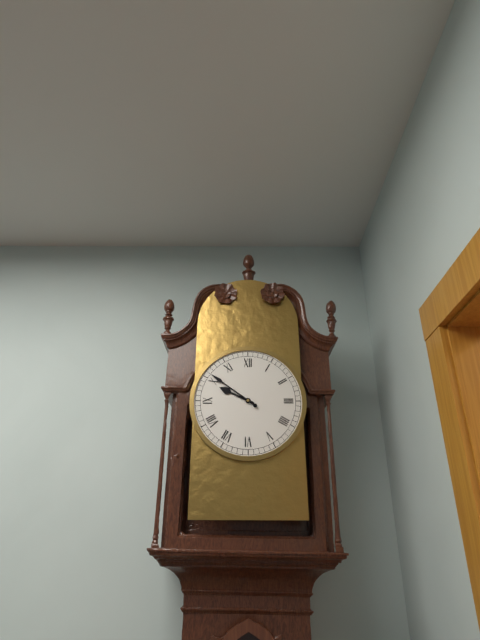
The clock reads 9.51
